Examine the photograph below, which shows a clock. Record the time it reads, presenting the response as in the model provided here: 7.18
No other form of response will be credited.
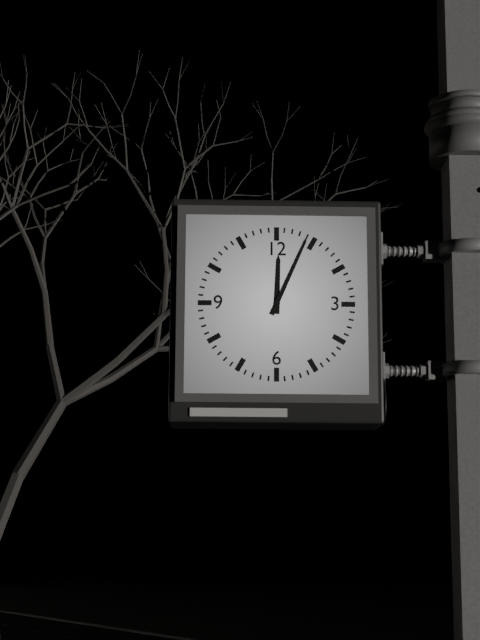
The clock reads 12.04
